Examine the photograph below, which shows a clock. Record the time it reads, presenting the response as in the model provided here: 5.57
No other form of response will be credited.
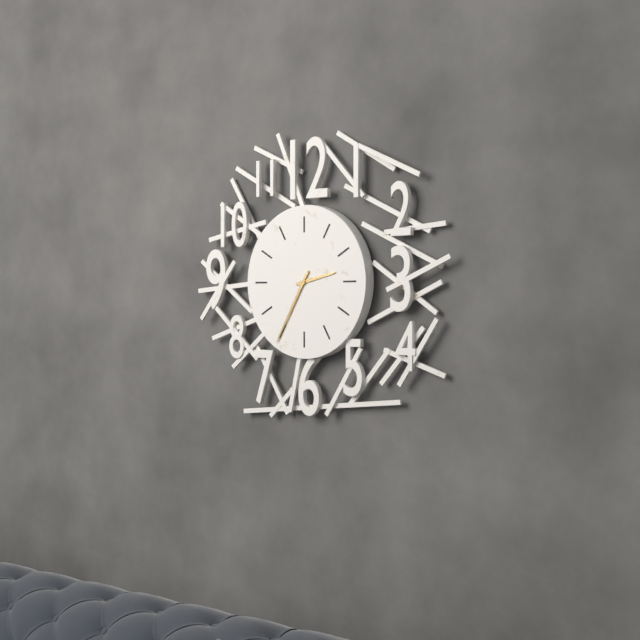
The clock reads 2.35
